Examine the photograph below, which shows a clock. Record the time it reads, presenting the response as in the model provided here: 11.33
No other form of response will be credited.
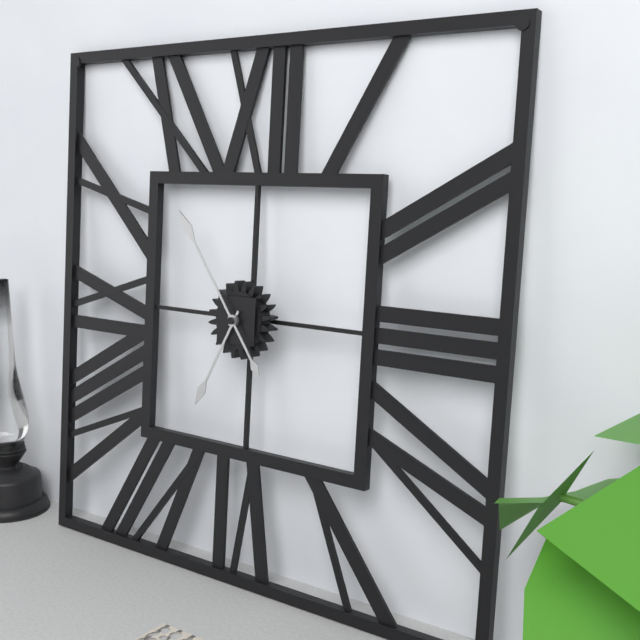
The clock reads 6.54
